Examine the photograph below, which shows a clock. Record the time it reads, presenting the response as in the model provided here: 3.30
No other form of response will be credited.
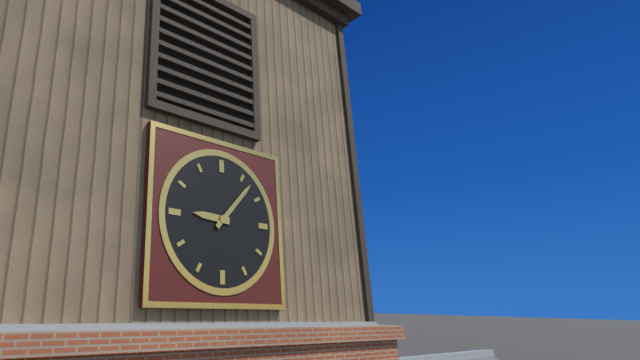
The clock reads 9.07
